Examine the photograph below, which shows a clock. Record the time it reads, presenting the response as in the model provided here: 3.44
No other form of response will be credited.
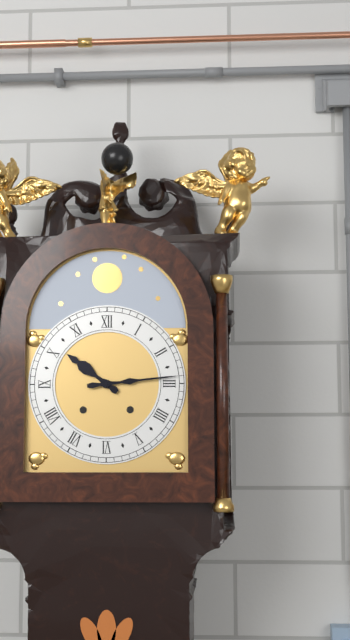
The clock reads 10.14
